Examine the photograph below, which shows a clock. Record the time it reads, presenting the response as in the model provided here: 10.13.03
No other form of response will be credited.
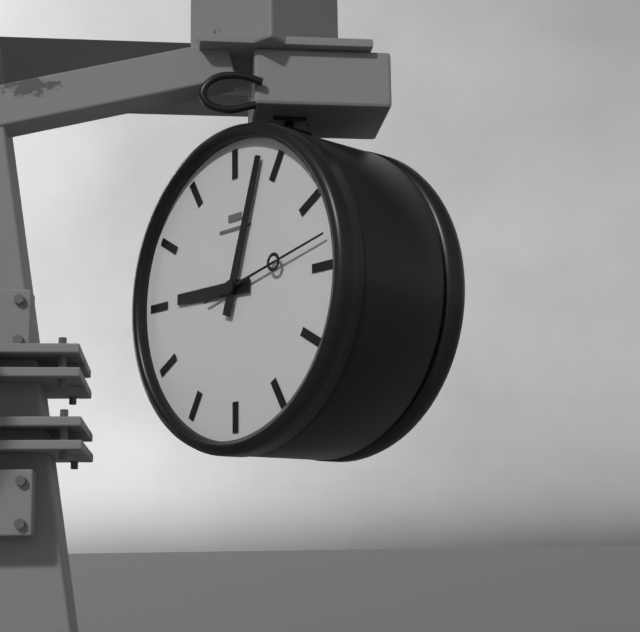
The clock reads 9.03.13
